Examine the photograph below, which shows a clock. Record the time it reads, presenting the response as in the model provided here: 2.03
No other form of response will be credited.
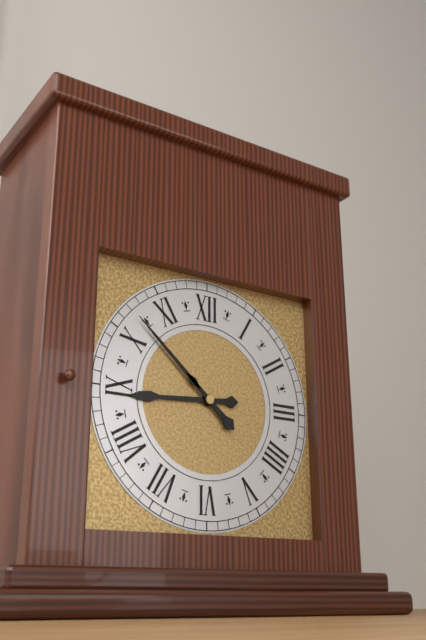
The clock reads 8.52
